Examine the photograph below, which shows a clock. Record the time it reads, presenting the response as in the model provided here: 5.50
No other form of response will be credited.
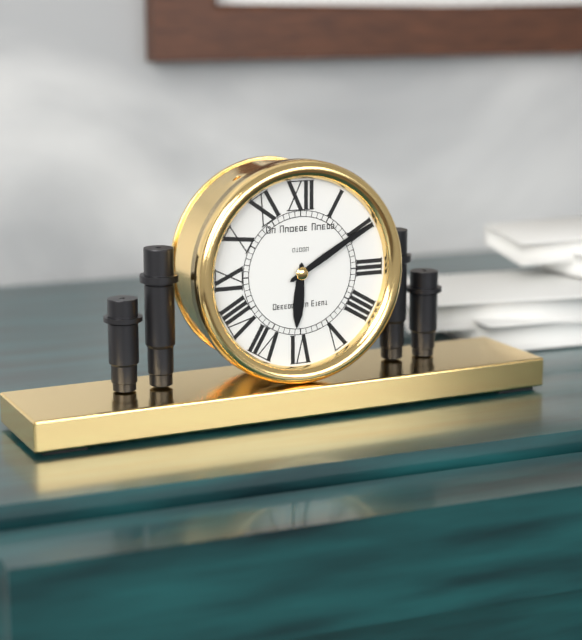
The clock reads 6.10
